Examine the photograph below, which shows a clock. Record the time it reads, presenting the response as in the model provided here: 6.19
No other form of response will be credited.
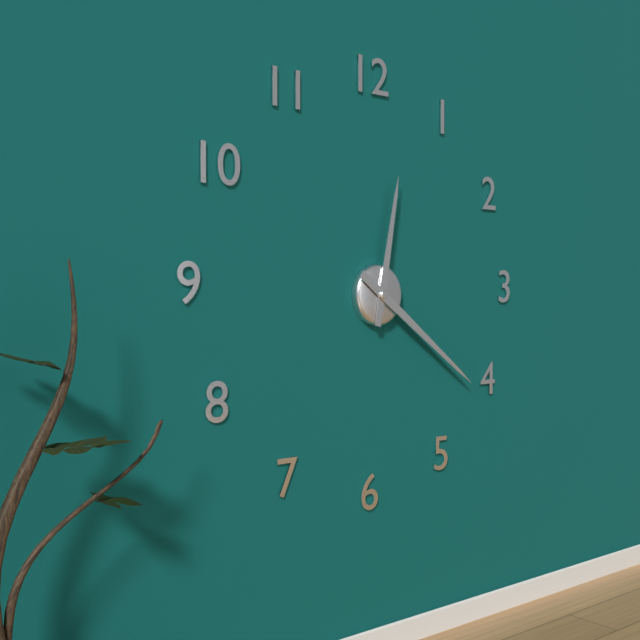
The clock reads 12.21
